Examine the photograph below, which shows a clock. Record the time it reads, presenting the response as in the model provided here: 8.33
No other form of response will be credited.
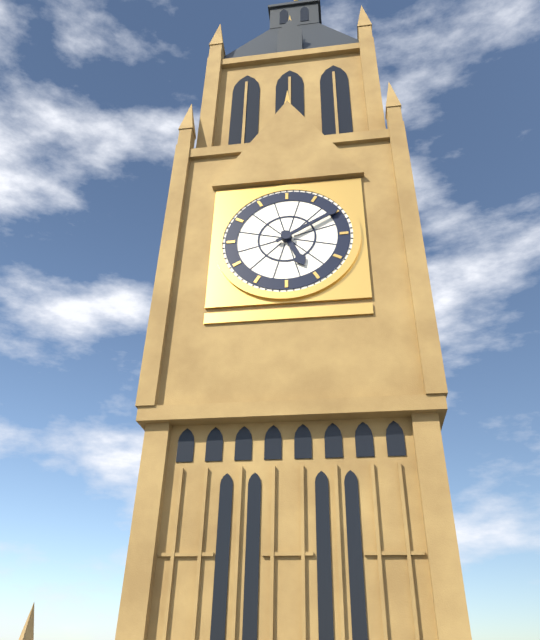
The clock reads 5.10
